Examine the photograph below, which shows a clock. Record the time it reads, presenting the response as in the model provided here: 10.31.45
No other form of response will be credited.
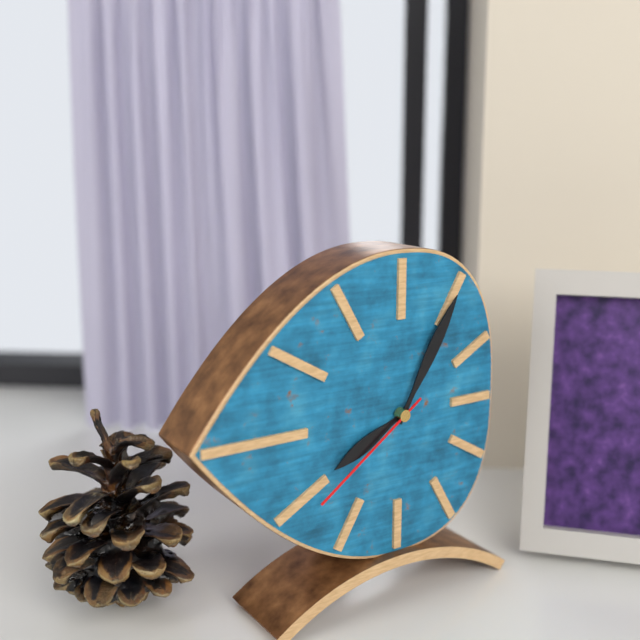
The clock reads 8.05.39
